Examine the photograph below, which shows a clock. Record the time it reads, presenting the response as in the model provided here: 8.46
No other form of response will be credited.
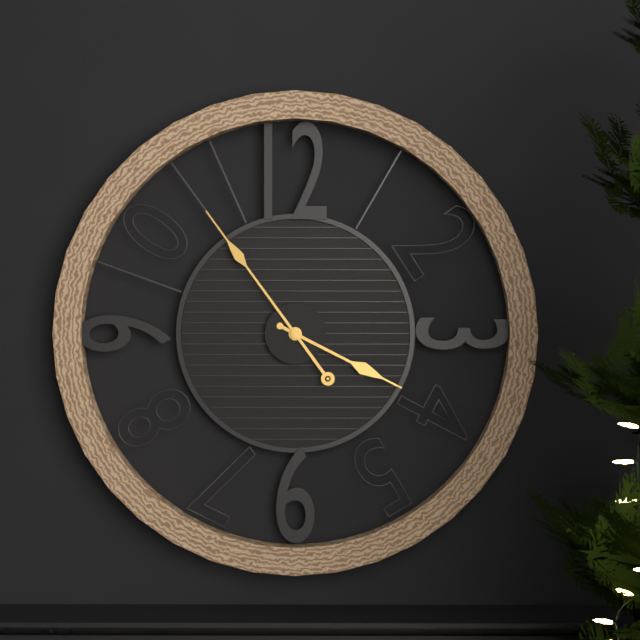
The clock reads 3.54
